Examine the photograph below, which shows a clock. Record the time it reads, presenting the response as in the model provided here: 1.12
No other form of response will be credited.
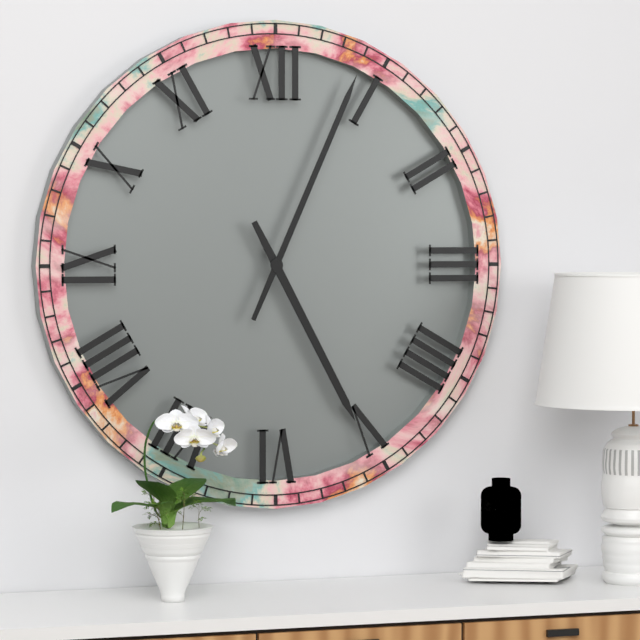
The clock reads 5.04
